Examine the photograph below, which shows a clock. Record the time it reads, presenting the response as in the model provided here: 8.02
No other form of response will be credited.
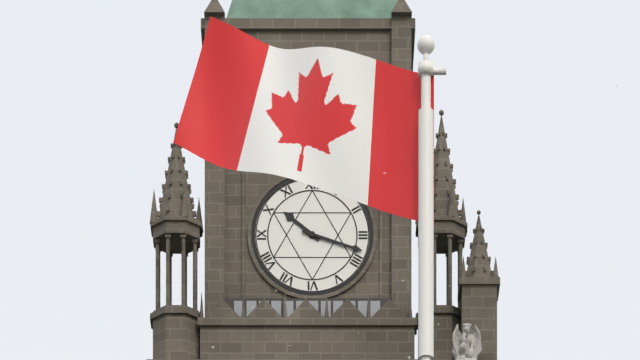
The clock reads 10.18
